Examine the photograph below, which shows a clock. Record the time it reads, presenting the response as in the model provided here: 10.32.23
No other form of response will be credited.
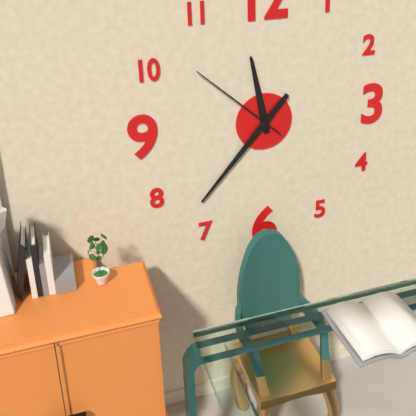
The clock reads 11.37.52
